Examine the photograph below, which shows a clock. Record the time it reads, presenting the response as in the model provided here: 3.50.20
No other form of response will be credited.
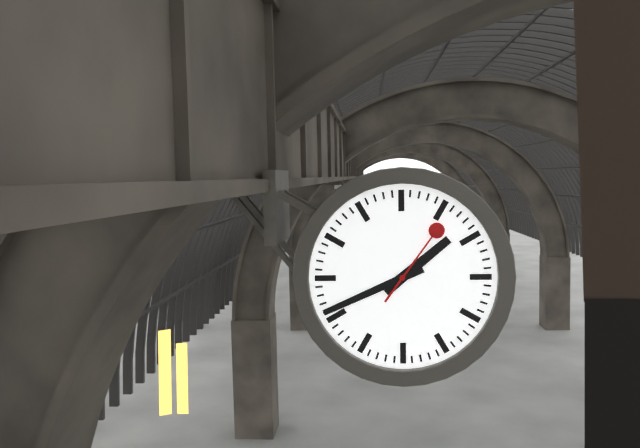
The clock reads 1.41.06
